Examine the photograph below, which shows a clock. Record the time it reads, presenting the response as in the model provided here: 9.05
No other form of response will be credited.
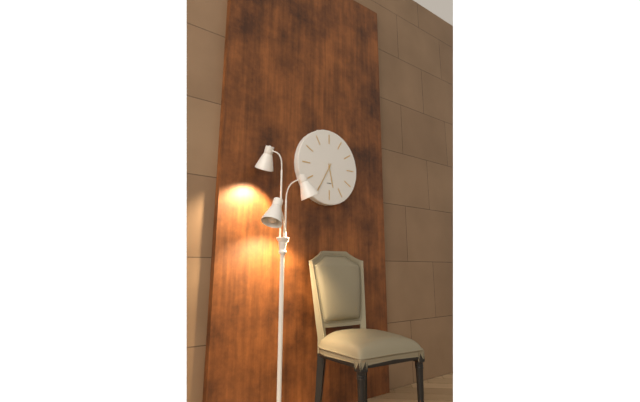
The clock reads 5.35
